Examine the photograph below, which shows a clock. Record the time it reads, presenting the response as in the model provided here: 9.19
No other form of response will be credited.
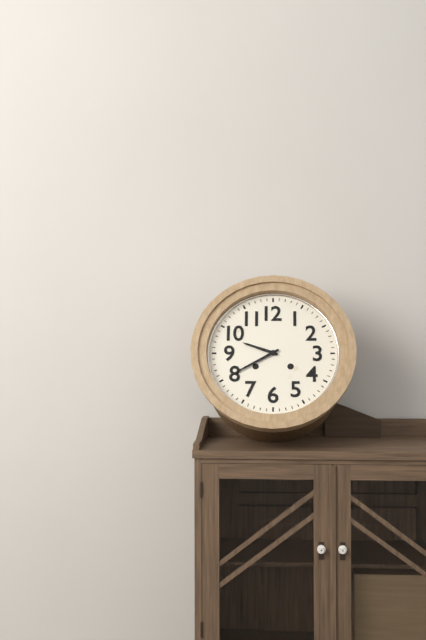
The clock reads 9.40
